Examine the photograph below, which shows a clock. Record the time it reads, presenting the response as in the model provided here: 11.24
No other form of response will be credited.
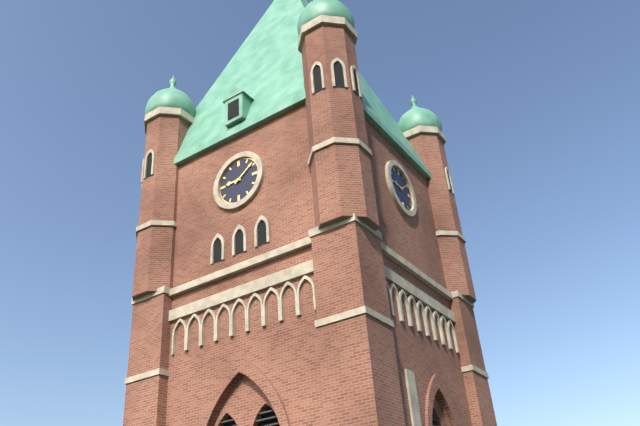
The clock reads 9.09
